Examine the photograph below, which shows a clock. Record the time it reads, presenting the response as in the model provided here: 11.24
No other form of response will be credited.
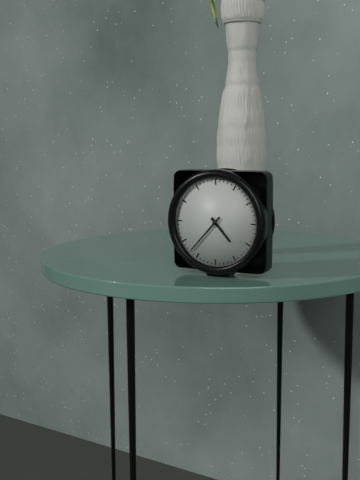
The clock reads 4.37
